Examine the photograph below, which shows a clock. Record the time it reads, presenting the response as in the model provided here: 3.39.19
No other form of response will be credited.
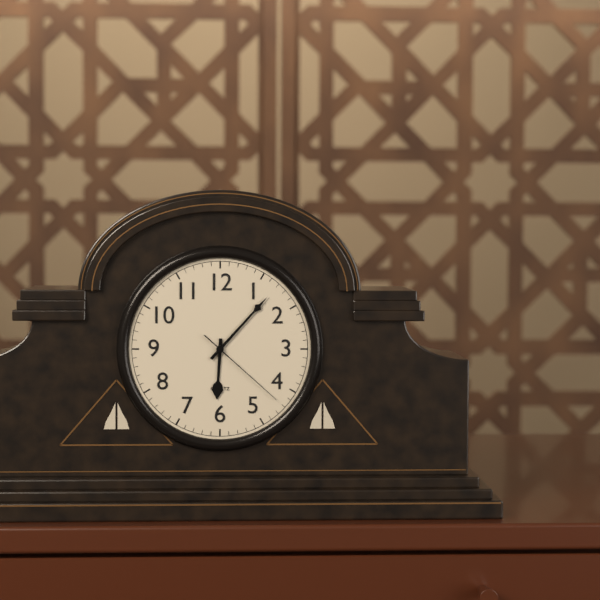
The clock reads 6.07.22
